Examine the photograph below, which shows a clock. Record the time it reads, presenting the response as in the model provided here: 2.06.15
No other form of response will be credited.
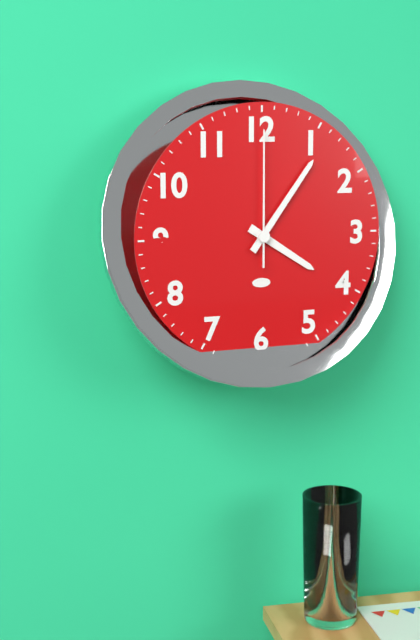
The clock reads 4.06.00
